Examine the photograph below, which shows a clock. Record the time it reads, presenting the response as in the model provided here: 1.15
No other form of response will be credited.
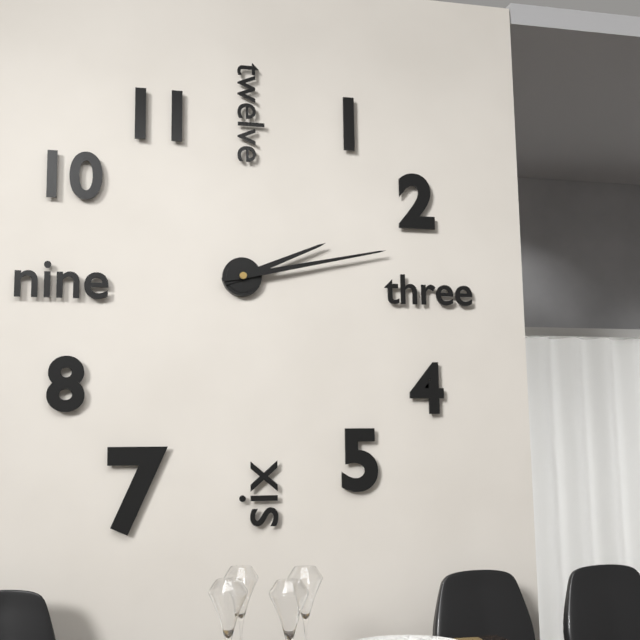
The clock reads 2.13
